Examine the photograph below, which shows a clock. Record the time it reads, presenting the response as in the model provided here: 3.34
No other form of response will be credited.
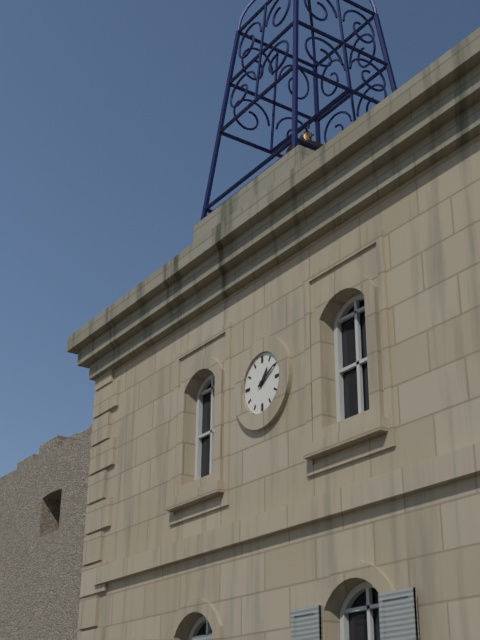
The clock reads 1.10
